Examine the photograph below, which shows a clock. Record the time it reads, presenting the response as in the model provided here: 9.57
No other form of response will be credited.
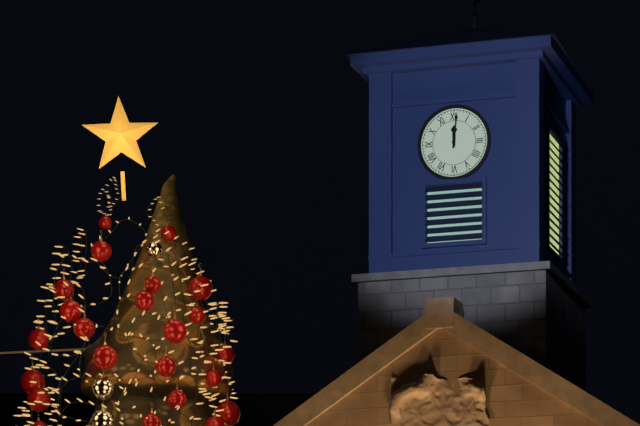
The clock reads 12.01
